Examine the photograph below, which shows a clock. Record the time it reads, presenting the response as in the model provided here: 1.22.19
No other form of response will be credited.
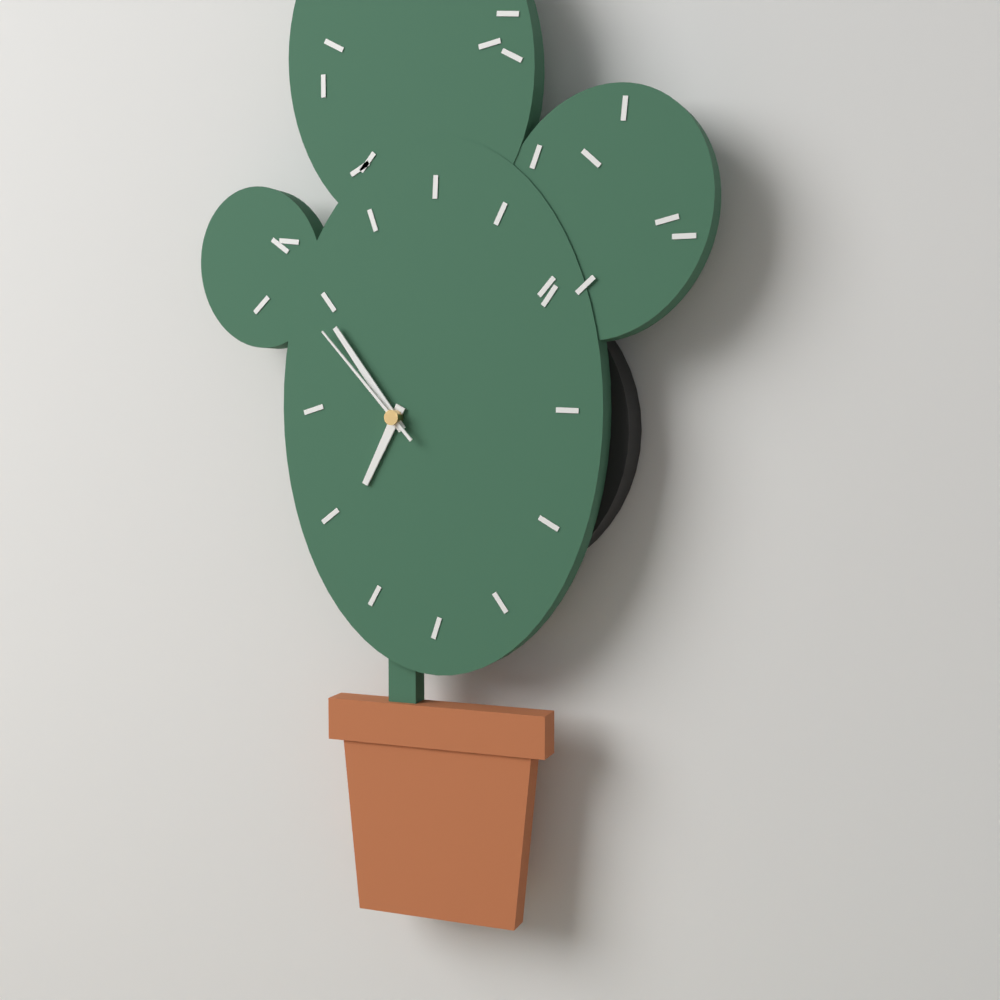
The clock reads 6.54.53
